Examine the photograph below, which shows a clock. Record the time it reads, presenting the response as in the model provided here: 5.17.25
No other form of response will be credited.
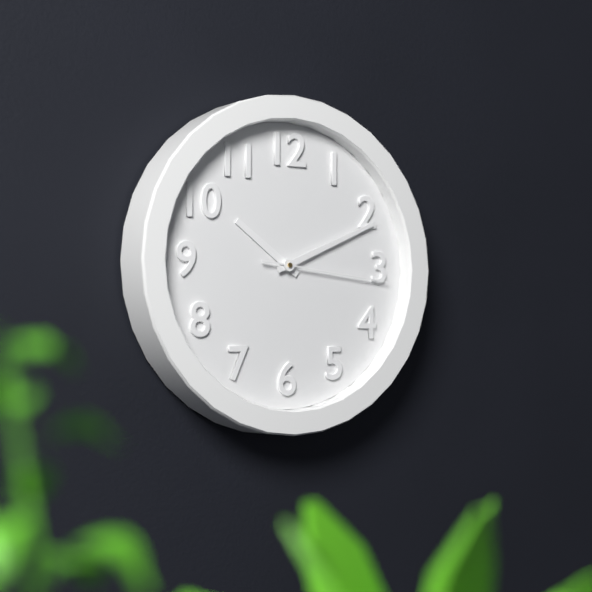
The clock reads 10.11.16
